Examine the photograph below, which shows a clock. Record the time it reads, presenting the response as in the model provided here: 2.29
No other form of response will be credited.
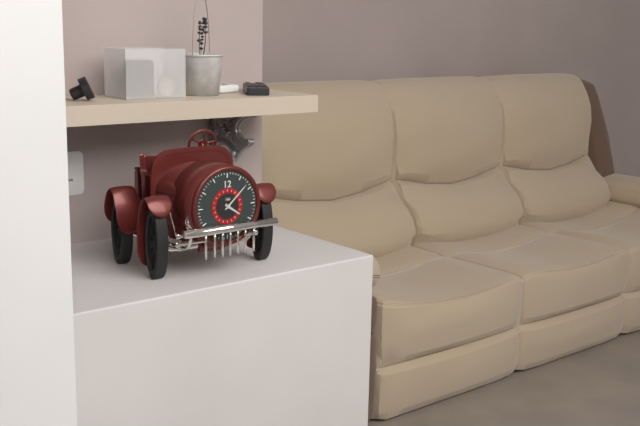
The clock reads 4.08
